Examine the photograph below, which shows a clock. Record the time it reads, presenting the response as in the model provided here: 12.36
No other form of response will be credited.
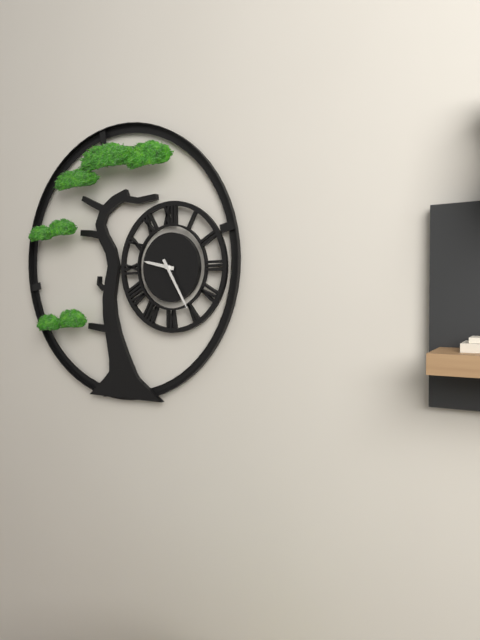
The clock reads 9.25
